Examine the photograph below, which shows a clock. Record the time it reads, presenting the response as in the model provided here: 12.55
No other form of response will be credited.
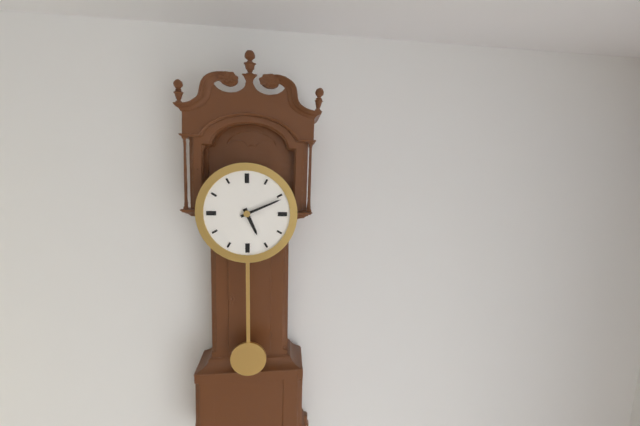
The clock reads 5.11
